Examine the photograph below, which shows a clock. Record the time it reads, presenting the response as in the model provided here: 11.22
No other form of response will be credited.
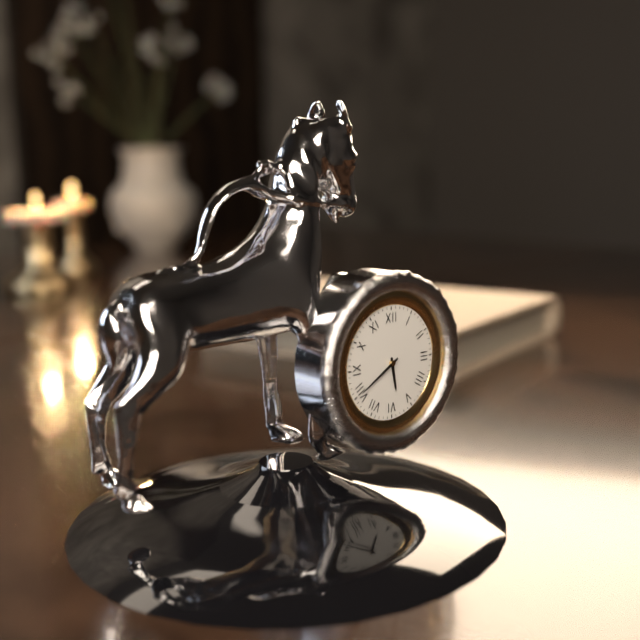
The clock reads 5.40
